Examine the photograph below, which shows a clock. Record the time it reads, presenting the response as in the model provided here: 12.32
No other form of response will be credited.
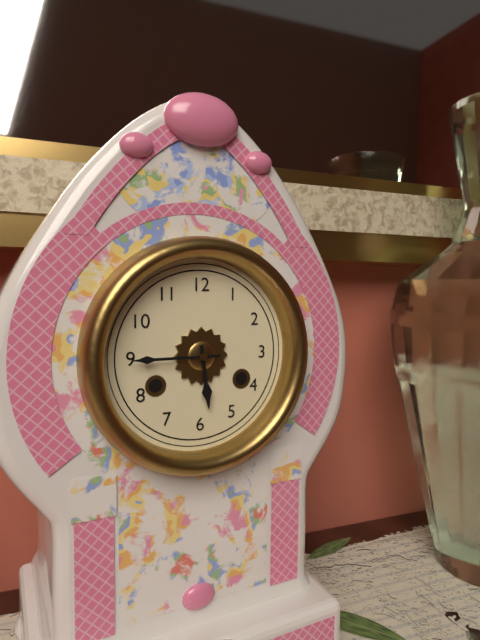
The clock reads 5.45
